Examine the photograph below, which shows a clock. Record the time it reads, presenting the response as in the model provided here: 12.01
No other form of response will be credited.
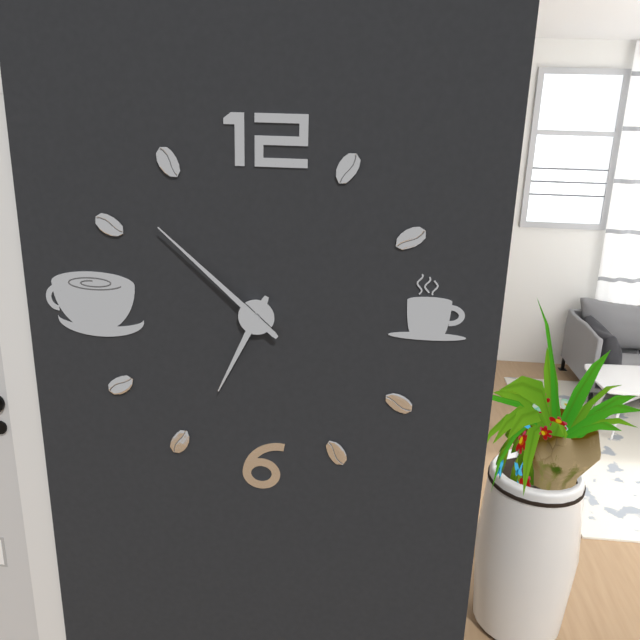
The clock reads 6.52
